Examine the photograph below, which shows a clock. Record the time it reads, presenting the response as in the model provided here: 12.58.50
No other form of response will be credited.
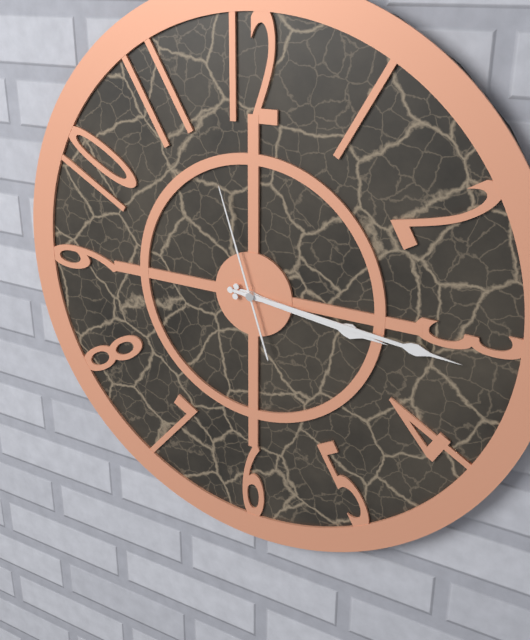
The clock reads 3.16.57
